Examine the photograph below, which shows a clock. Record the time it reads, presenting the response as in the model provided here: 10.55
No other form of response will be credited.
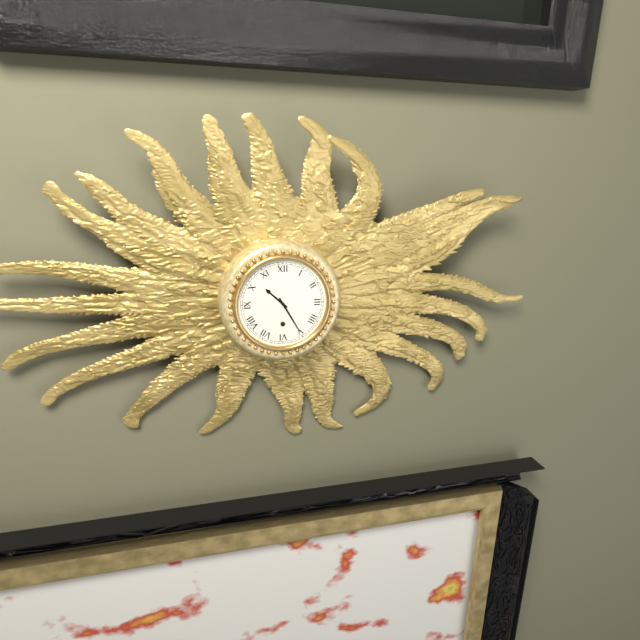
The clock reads 10.25
